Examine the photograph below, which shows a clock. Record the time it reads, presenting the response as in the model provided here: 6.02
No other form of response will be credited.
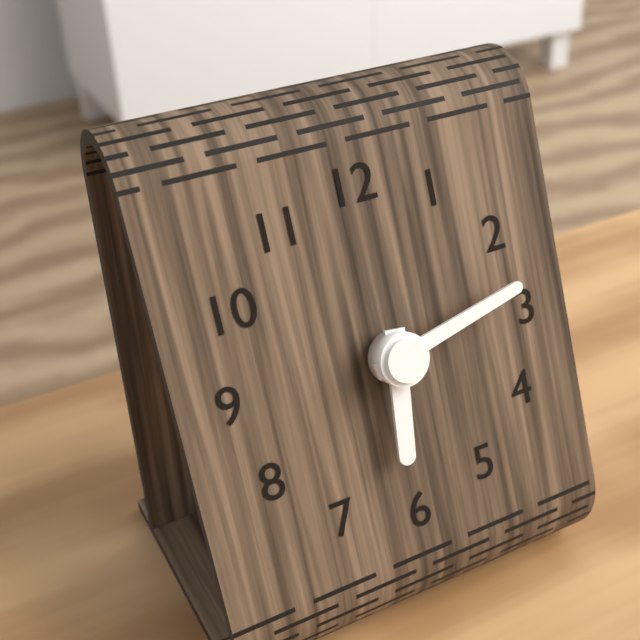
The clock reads 6.13
